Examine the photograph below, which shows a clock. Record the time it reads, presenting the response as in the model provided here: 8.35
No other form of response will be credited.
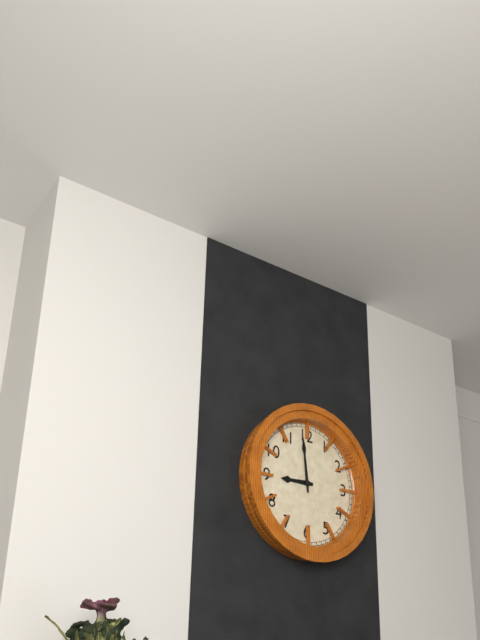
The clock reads 8.59
